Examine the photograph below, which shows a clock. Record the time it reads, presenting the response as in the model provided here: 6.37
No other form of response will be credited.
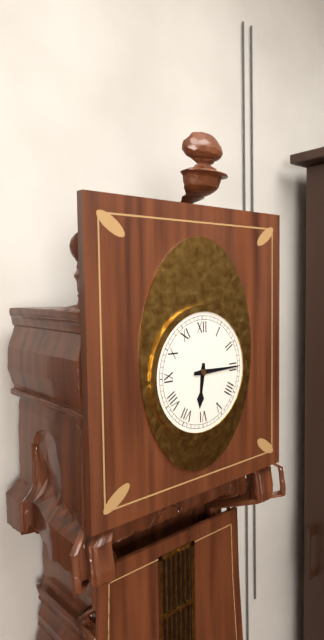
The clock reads 6.15
